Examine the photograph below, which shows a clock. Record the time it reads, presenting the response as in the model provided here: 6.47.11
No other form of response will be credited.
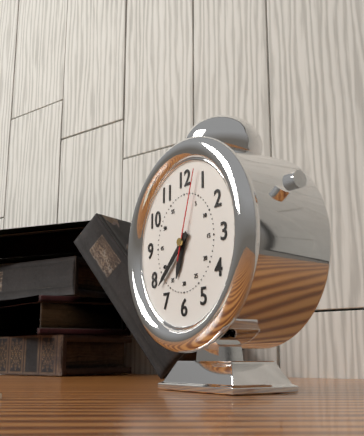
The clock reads 6.38.03
